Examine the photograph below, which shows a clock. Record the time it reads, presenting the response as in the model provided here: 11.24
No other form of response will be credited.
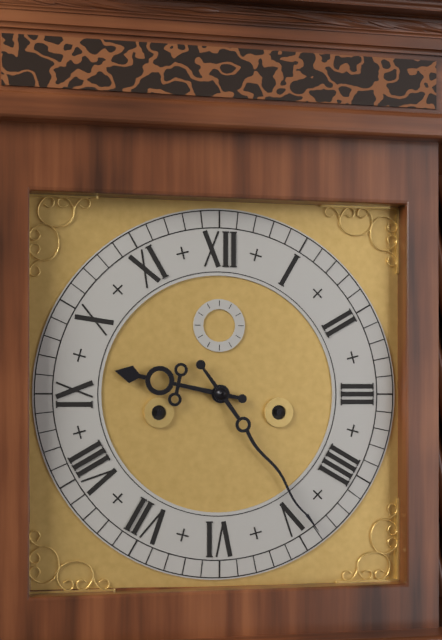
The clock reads 9.24
